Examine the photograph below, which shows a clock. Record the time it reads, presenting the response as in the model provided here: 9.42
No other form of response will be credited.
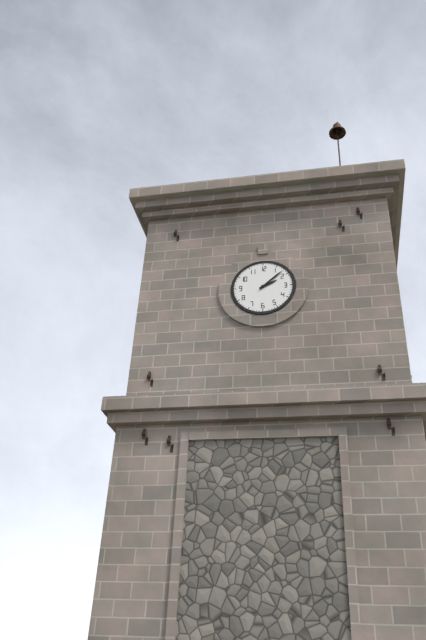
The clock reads 2.08
